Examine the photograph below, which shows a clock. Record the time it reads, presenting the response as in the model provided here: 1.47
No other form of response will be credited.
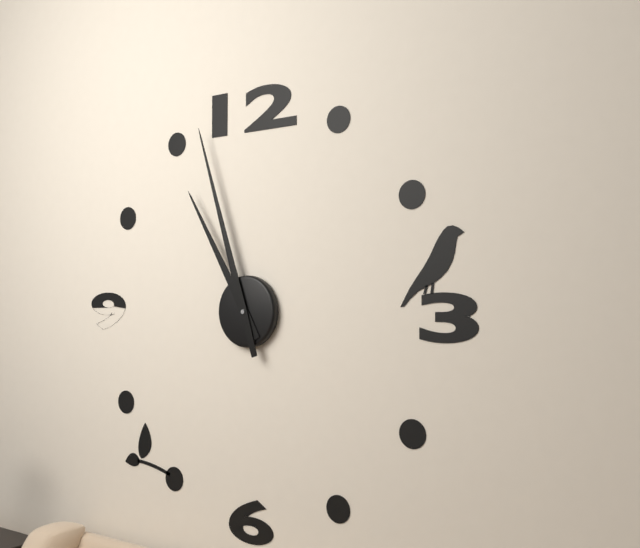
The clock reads 10.57
